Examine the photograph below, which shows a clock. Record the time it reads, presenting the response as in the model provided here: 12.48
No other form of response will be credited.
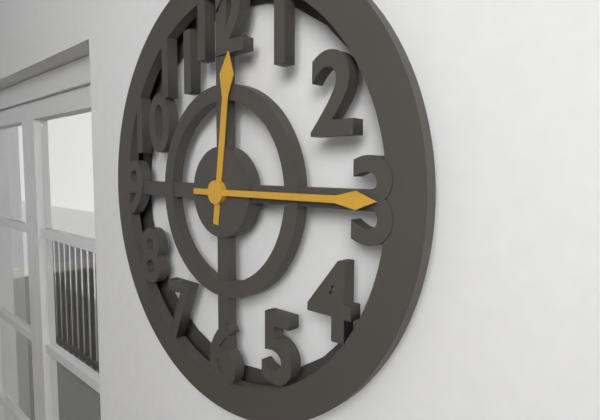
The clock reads 12.15
